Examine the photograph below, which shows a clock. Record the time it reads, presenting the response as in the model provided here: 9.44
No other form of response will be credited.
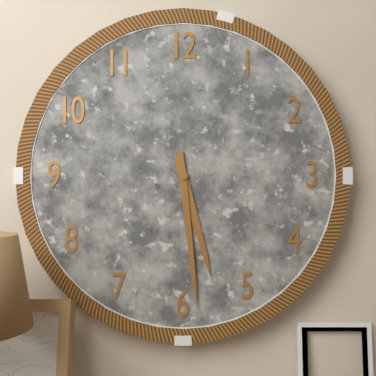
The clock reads 5.29
